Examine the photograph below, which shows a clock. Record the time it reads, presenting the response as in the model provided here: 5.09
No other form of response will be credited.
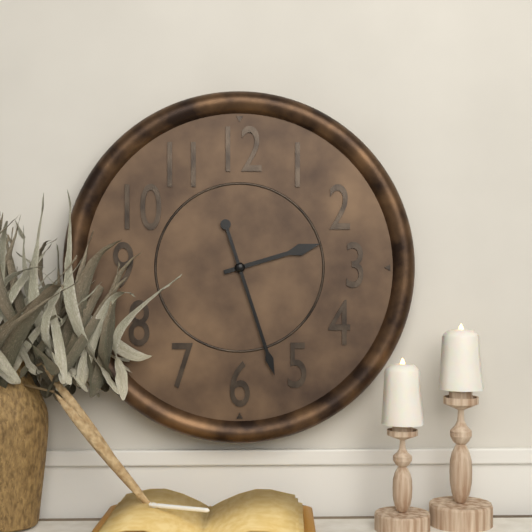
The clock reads 2.27
